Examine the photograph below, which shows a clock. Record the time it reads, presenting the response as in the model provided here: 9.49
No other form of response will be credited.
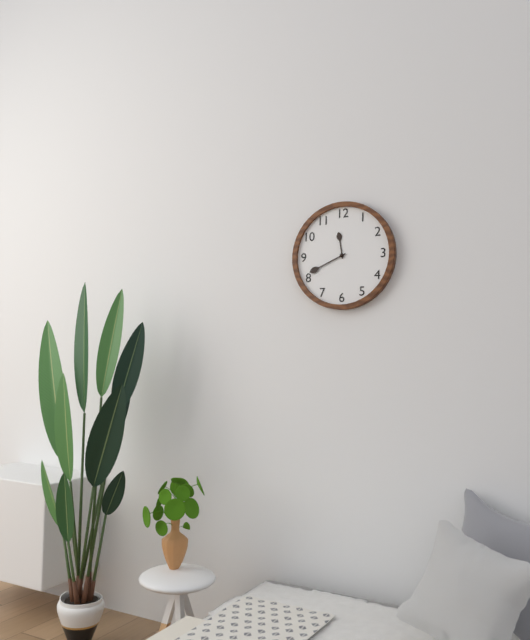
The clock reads 11.41
